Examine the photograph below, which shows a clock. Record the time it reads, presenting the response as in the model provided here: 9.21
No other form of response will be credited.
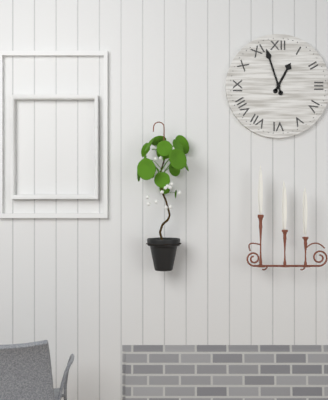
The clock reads 12.57
